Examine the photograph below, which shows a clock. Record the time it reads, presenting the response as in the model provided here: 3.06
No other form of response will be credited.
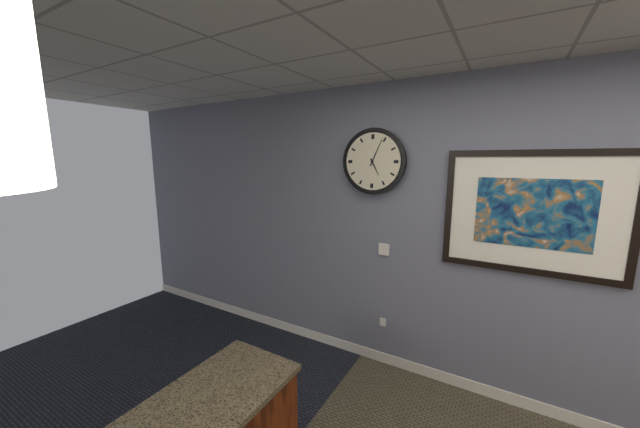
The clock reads 5.04
